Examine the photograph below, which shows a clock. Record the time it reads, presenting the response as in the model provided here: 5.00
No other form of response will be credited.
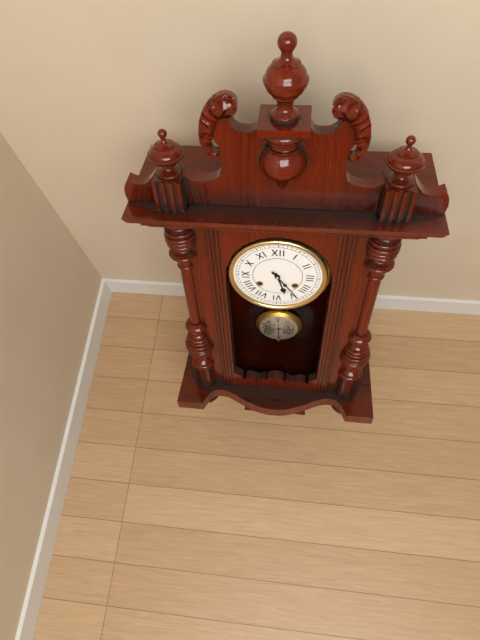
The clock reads 5.24
